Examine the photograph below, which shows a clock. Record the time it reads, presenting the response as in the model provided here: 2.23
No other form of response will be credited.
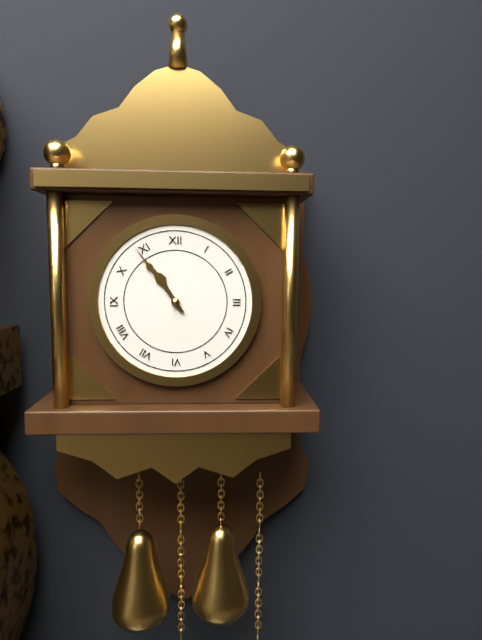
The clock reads 10.54
